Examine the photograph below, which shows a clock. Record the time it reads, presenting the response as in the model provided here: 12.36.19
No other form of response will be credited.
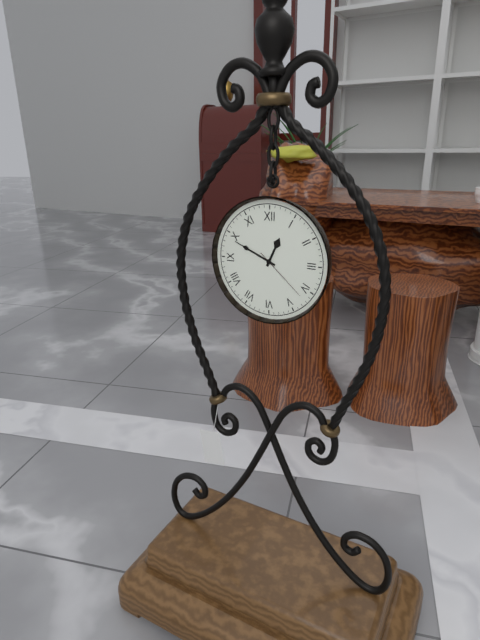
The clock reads 12.49.22
